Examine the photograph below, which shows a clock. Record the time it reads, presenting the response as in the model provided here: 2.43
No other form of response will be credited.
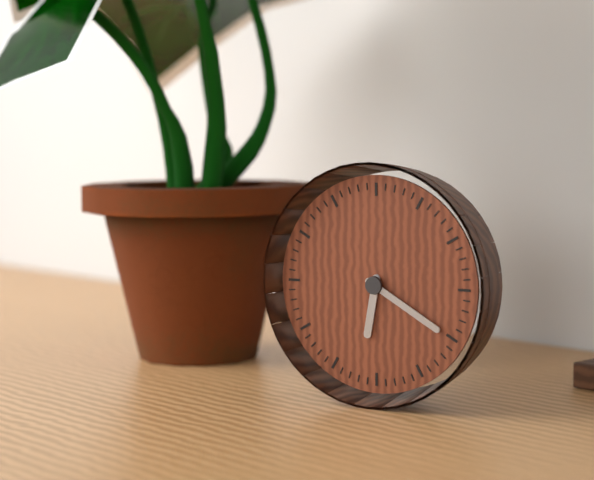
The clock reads 6.20
